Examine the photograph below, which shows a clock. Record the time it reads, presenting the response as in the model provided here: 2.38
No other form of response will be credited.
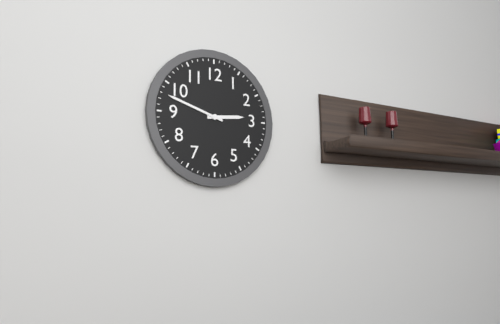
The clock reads 2.48
